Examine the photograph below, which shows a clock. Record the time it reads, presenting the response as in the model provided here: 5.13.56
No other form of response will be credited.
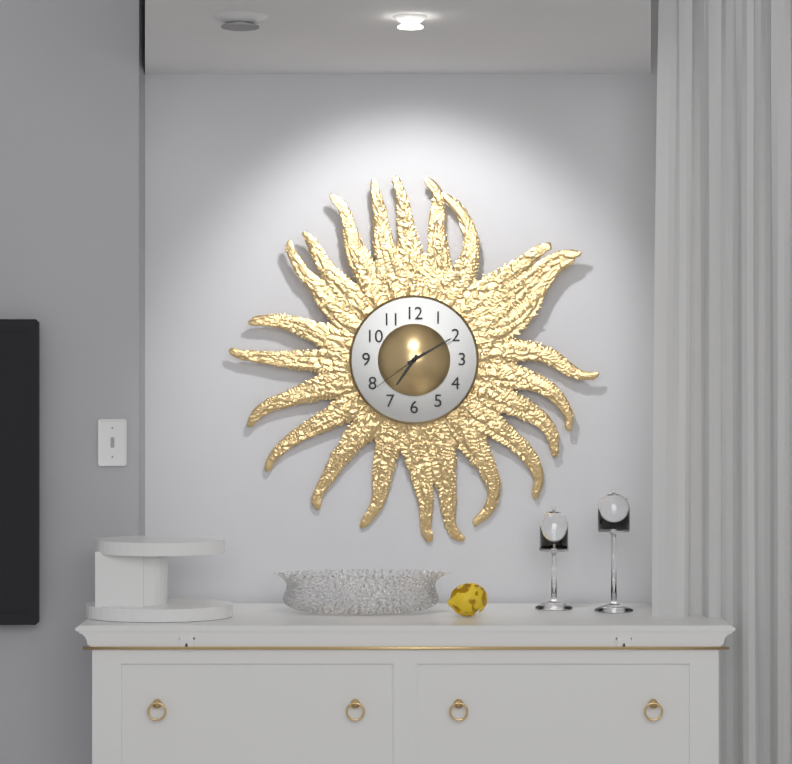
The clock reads 7.10.39
